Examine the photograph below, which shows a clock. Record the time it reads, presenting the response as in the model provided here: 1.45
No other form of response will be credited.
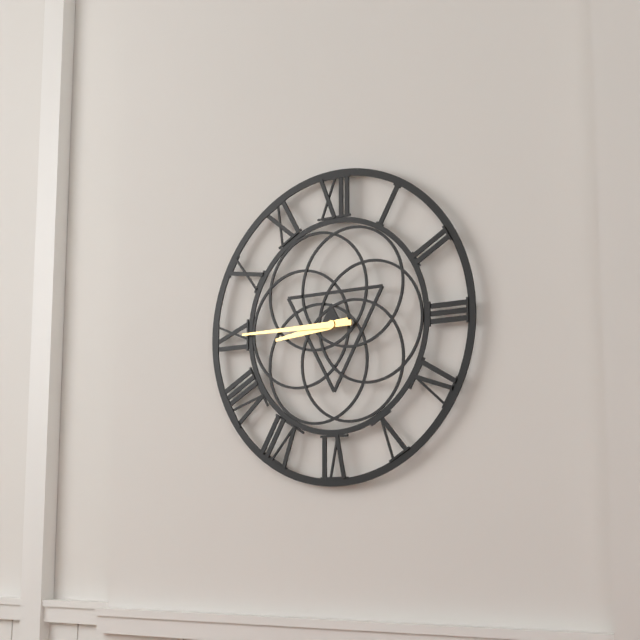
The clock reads 8.45
